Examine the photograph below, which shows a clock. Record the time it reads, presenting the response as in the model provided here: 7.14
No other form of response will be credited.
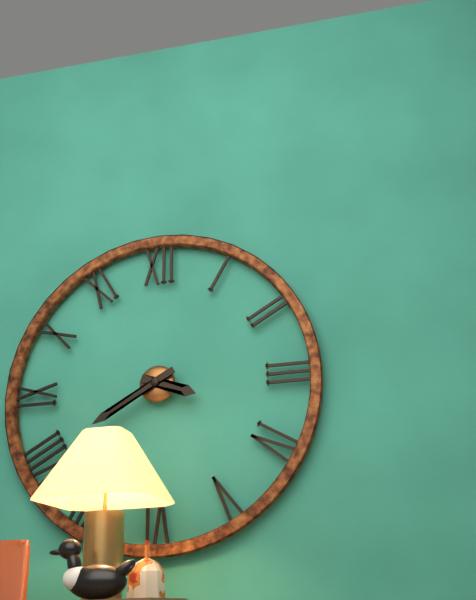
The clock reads 3.40
